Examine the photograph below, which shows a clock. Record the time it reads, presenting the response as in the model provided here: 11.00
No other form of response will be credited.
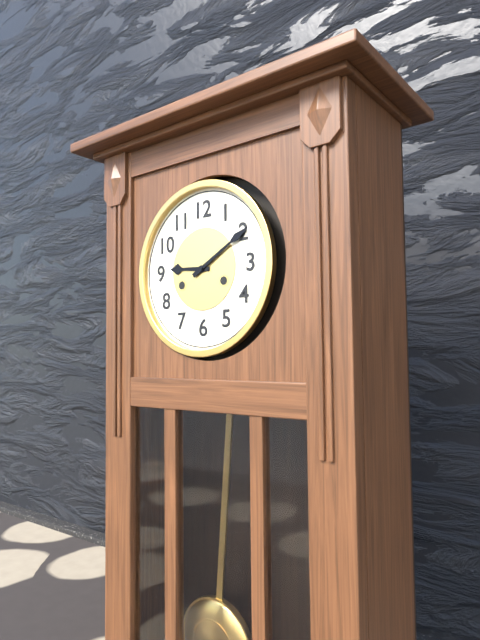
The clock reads 9.10
